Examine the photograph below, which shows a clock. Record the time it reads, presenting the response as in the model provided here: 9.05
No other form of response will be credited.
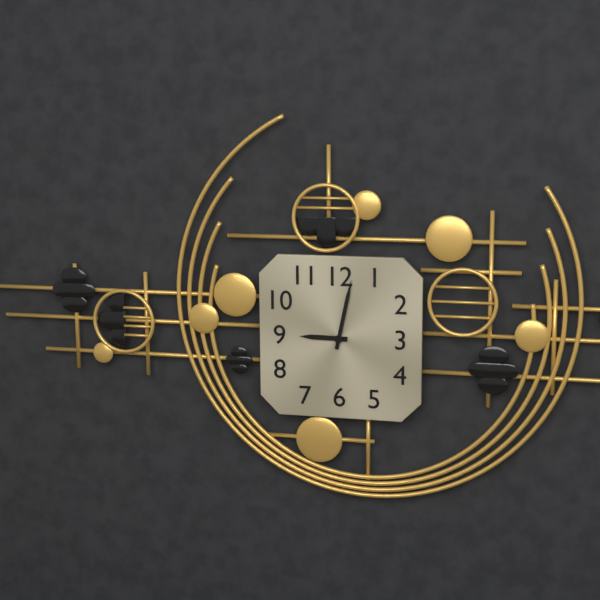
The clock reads 9.02
